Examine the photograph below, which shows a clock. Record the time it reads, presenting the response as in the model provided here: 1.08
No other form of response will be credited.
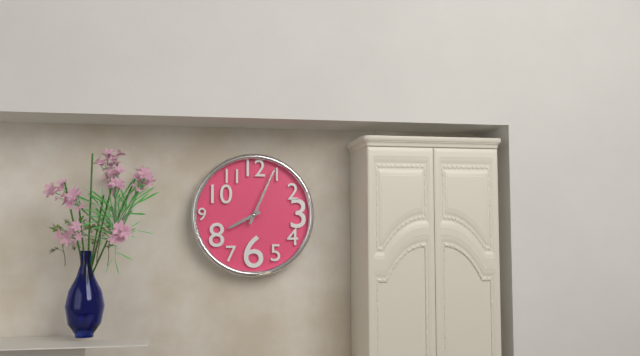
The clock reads 8.04
